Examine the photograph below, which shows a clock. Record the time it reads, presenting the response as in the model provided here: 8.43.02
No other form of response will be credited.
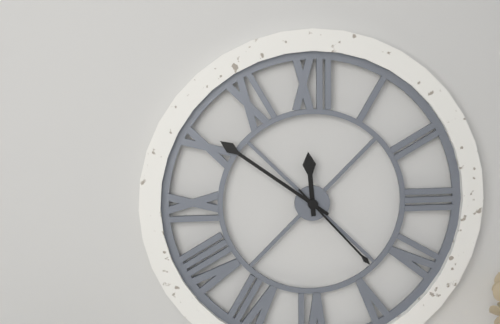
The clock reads 11.51.23
